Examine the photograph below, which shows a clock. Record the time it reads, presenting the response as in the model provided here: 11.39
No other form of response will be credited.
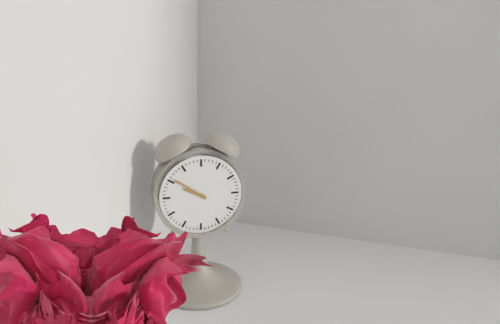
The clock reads 9.51
